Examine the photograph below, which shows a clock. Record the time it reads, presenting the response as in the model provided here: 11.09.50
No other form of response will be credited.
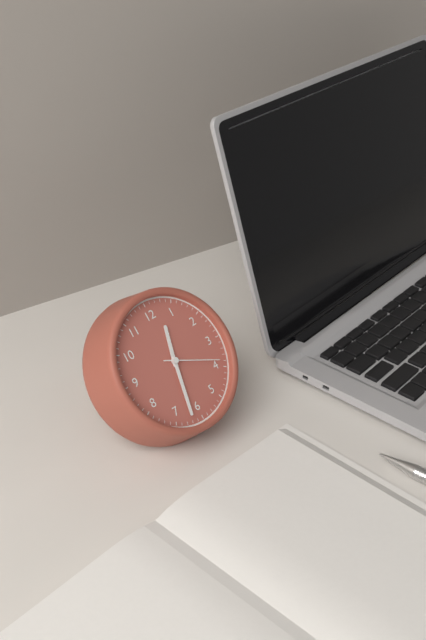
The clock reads 12.32.19
